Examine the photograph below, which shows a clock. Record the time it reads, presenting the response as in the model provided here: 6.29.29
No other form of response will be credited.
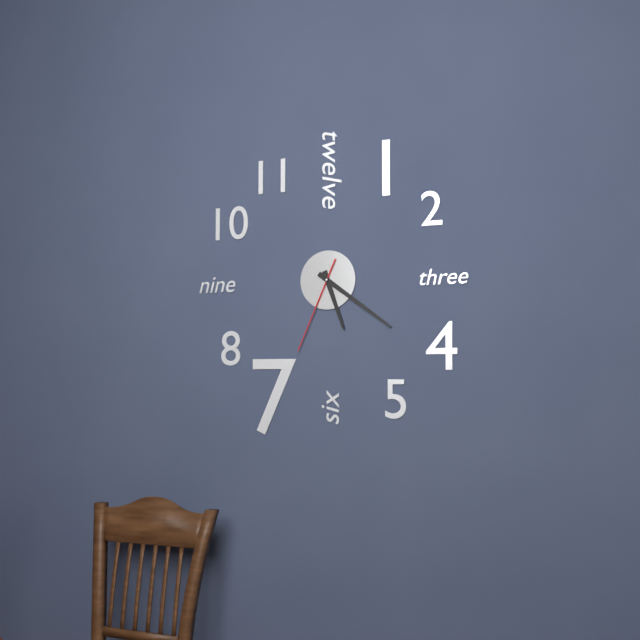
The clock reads 5.21.34
